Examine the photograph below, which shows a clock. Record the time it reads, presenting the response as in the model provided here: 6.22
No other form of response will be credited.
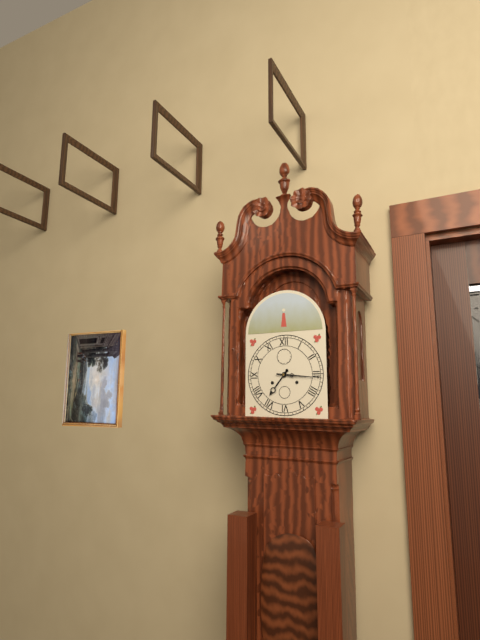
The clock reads 7.16
